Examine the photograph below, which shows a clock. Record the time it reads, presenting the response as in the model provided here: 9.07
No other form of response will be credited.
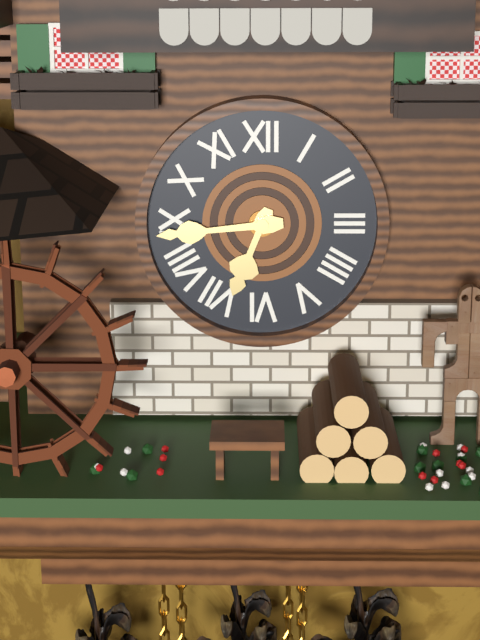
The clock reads 6.44
